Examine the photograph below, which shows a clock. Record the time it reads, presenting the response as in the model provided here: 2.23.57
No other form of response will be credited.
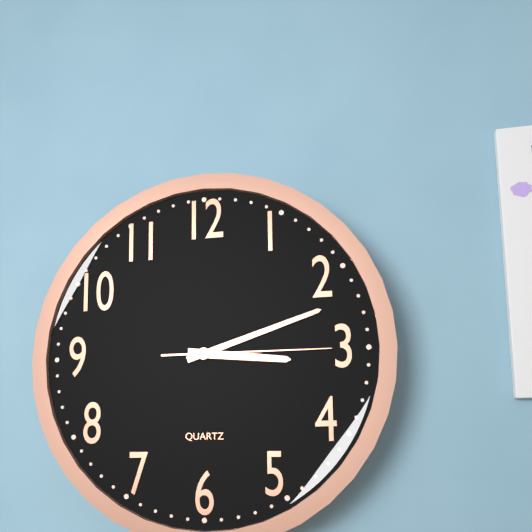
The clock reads 3.12.15
